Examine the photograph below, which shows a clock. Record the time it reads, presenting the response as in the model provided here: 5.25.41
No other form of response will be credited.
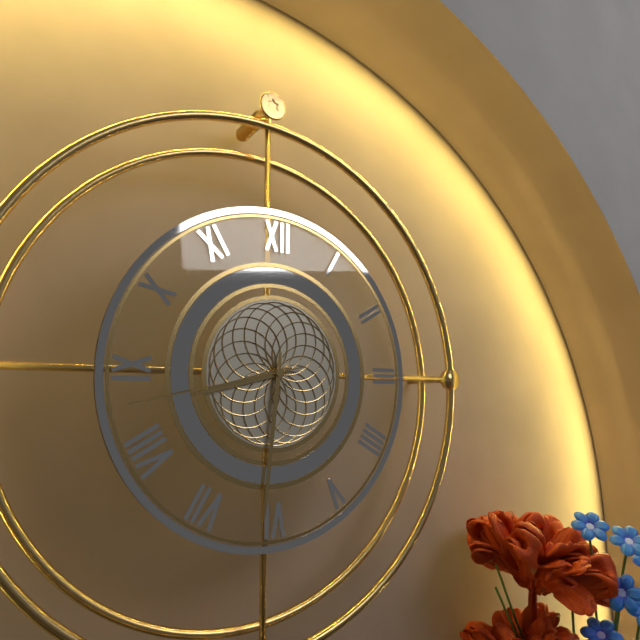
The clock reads 8.31.43
